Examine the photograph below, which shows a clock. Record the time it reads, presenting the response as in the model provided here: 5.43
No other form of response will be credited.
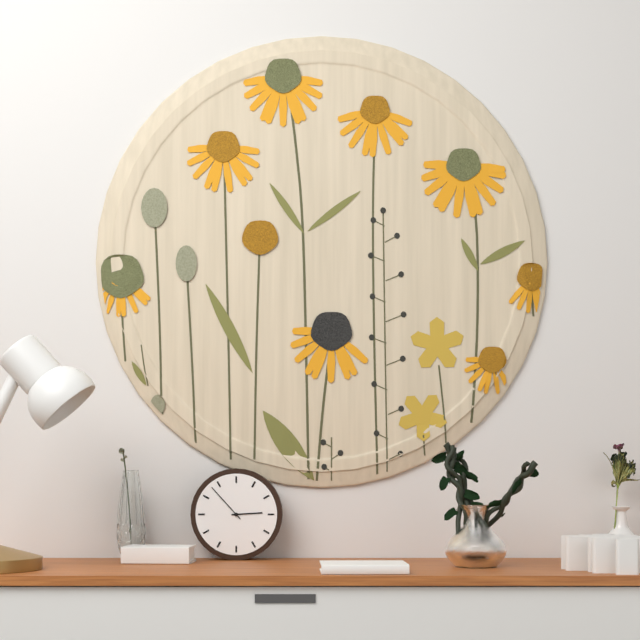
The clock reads 2.53
